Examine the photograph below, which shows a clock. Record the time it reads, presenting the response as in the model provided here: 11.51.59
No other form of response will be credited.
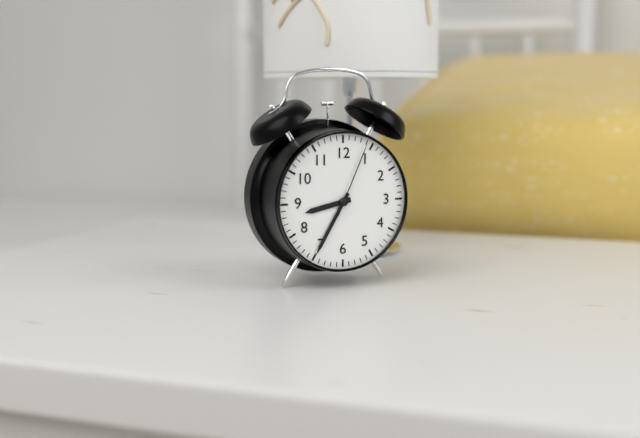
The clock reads 8.35.04
